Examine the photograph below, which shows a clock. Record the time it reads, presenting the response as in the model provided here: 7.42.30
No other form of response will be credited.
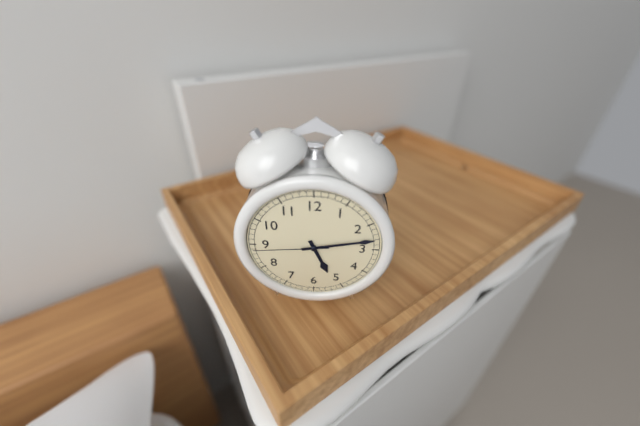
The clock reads 5.13.44
